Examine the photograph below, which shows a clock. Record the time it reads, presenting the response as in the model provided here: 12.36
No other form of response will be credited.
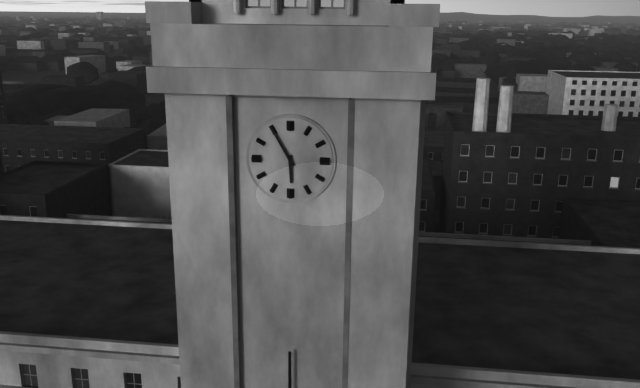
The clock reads 5.55
